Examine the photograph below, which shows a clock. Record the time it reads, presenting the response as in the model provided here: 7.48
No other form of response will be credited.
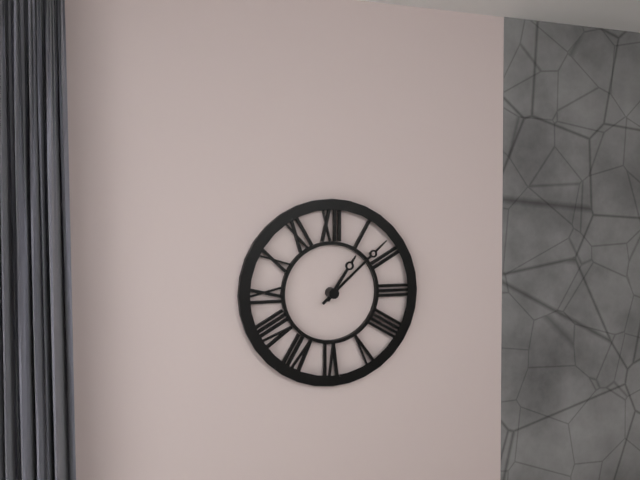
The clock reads 1.08
